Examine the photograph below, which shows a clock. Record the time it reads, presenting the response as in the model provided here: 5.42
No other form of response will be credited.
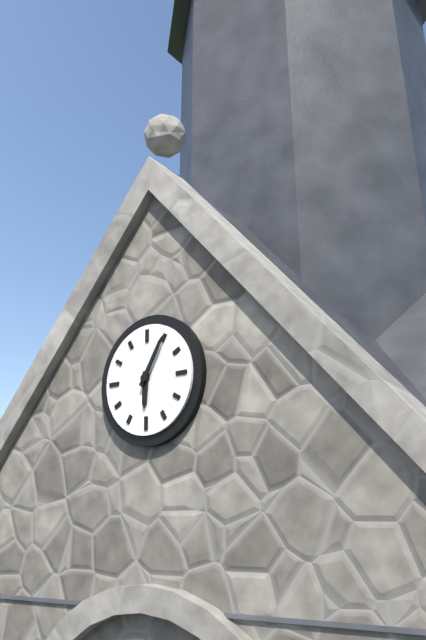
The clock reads 6.05
